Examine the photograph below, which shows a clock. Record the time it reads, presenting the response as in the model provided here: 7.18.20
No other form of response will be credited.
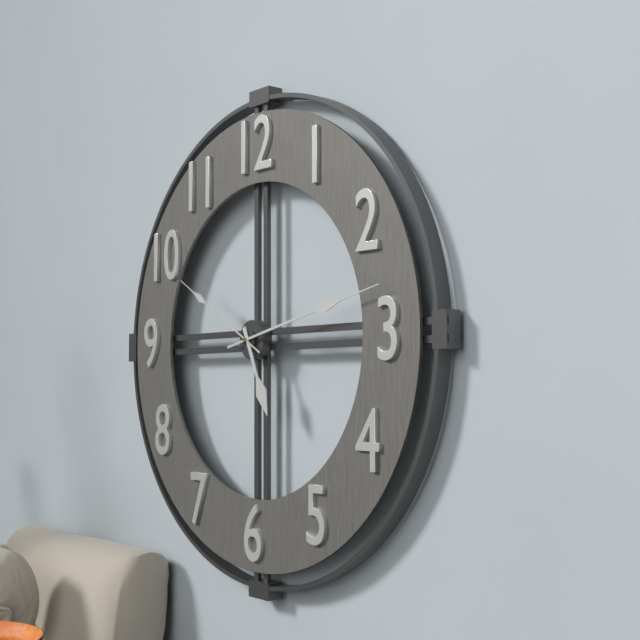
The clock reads 5.13.50
